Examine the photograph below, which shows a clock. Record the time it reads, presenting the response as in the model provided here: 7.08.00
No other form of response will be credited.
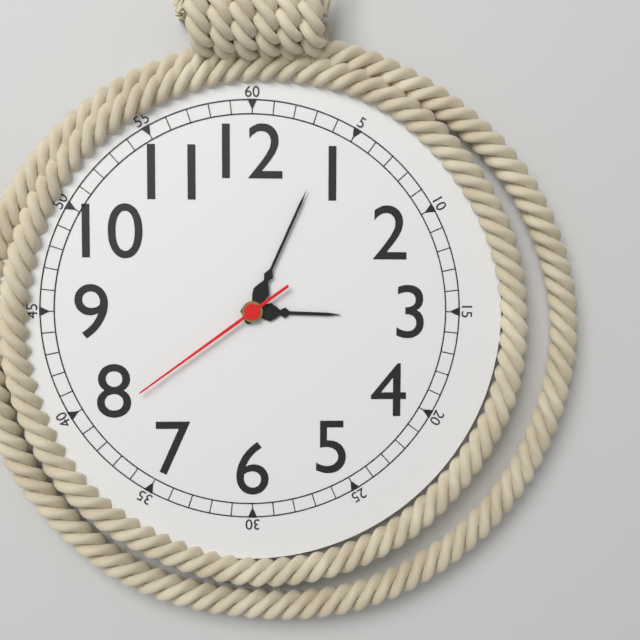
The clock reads 3.04.39
